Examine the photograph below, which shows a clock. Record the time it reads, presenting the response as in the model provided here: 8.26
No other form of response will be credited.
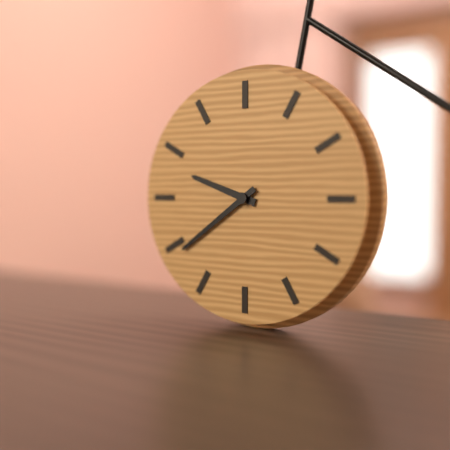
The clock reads 9.39
